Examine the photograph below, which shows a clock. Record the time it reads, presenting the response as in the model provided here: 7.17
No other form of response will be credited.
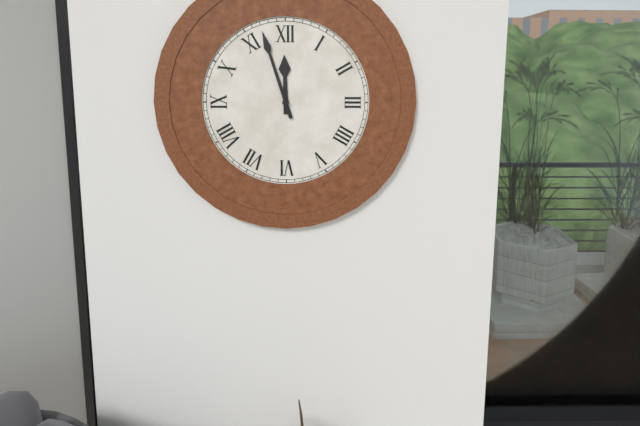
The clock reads 11.57
